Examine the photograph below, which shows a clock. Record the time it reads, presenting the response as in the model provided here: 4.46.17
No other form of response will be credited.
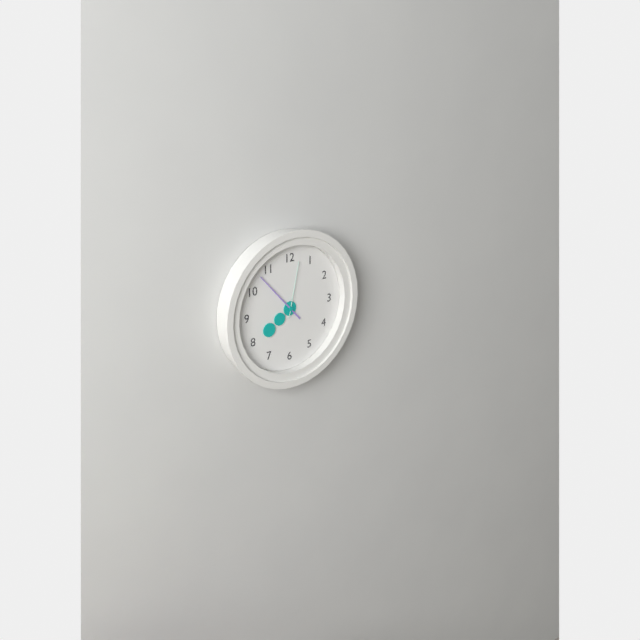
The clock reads 7.53.02
